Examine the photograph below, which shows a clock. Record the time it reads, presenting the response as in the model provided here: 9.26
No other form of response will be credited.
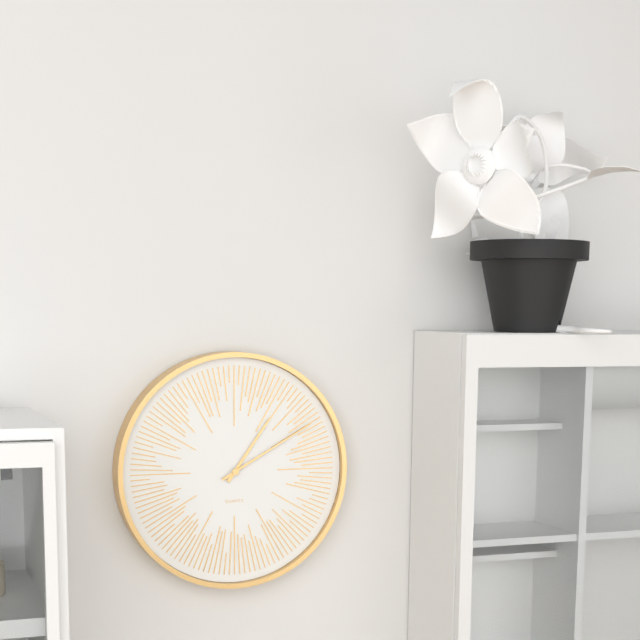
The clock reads 1.10
